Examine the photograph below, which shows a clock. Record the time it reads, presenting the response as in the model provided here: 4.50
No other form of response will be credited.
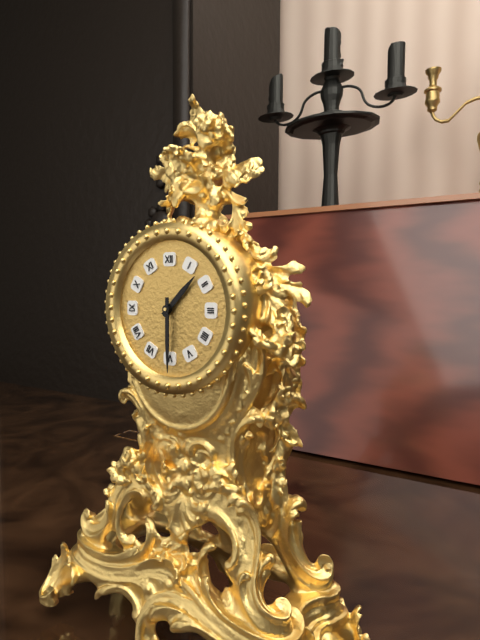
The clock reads 1.30
